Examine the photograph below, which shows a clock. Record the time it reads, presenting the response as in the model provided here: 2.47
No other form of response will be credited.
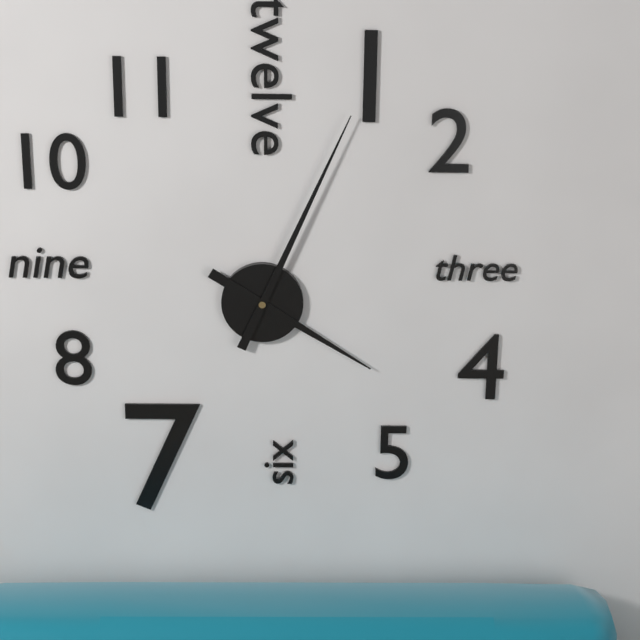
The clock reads 4.04
